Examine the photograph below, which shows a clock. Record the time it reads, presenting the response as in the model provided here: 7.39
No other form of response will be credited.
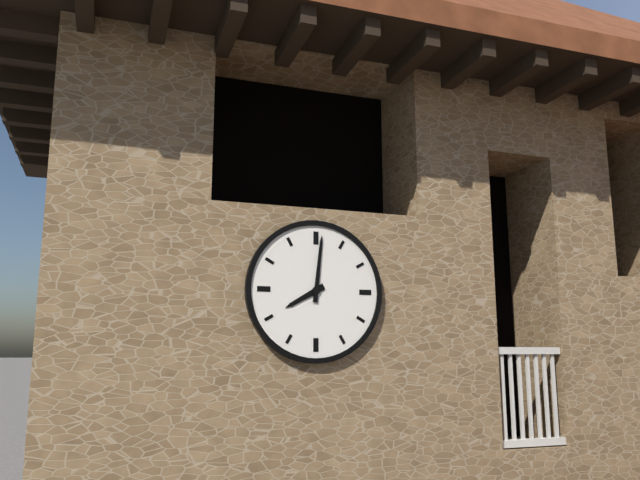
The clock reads 8.01
